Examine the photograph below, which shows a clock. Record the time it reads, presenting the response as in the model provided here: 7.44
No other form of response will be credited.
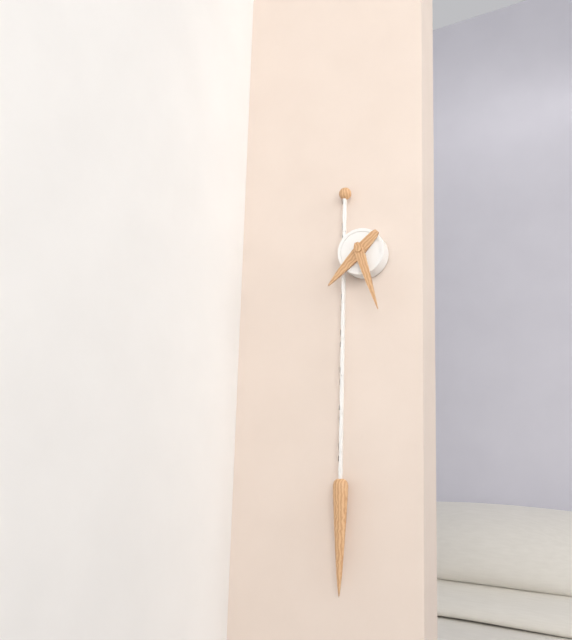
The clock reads 7.27
